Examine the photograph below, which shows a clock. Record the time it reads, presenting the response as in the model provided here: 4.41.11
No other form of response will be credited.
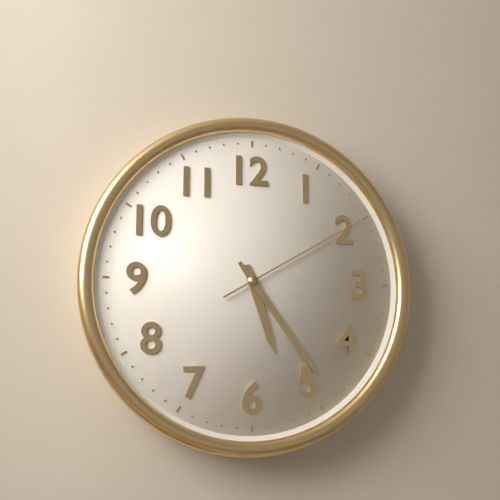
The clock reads 5.24.10
